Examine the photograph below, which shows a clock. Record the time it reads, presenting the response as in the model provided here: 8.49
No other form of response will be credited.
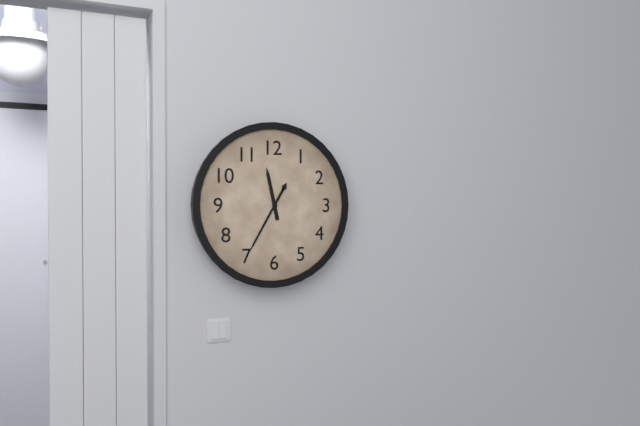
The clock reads 11.35
